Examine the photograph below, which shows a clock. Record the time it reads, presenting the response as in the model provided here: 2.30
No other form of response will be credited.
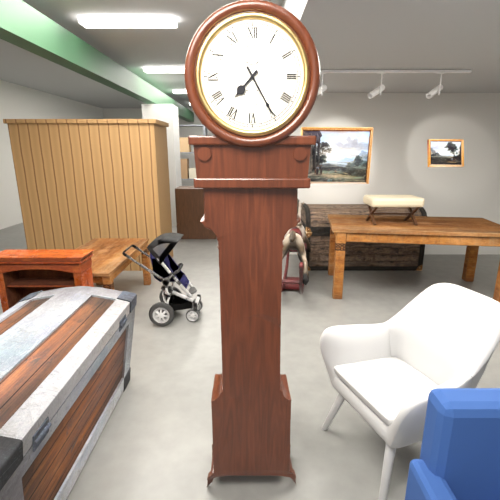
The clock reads 7.25
